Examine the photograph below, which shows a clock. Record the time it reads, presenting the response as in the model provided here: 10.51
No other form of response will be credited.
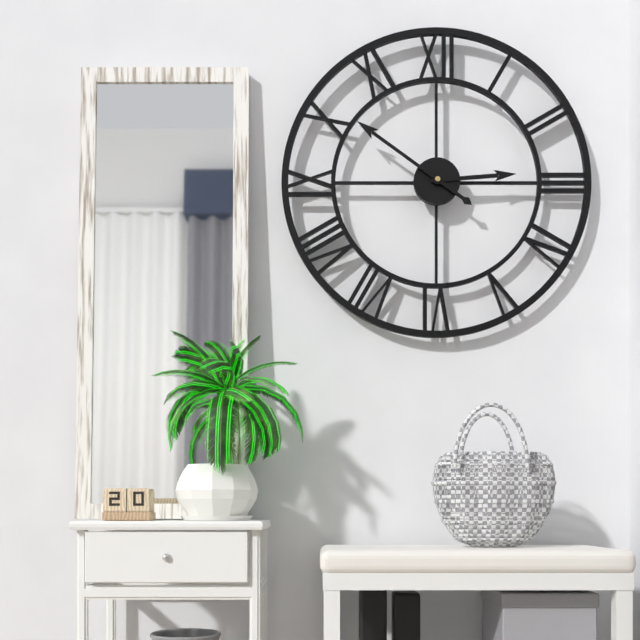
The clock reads 2.51
